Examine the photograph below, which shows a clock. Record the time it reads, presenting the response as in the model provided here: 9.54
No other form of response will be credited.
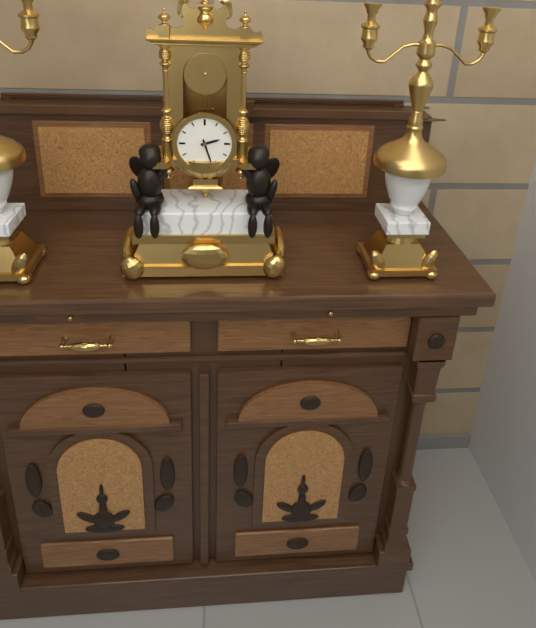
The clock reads 2.27
